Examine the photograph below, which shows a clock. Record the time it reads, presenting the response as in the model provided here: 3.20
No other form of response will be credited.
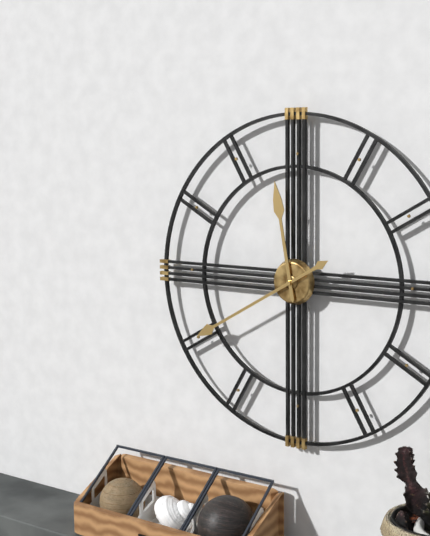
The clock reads 11.40
